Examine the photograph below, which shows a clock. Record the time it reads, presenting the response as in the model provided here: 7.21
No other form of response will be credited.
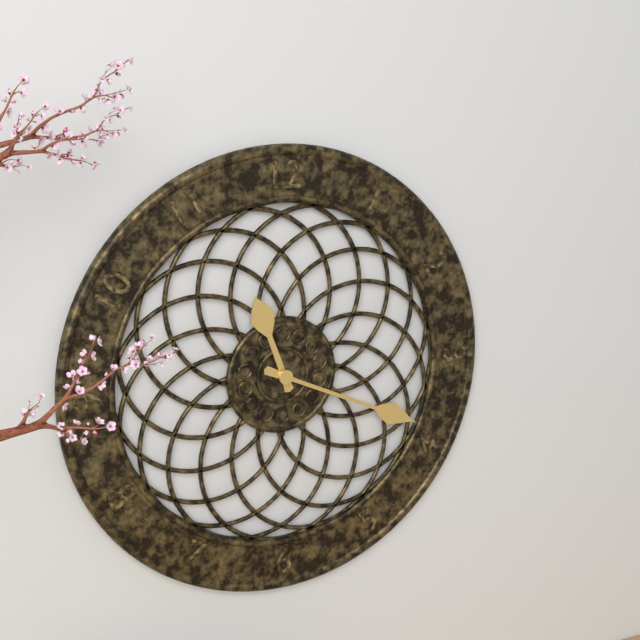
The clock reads 11.19
